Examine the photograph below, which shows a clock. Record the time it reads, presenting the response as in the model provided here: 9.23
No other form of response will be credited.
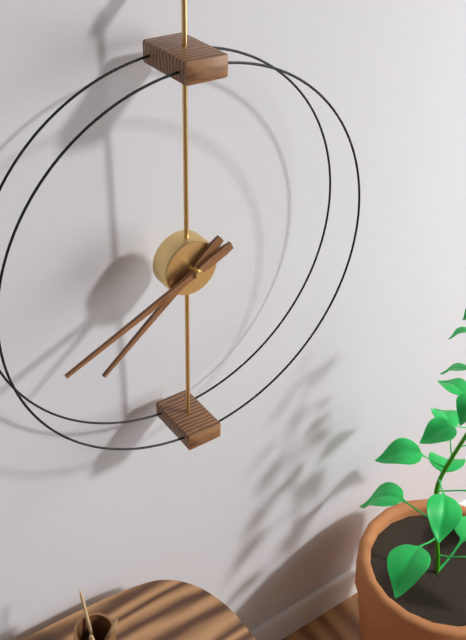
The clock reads 7.41
